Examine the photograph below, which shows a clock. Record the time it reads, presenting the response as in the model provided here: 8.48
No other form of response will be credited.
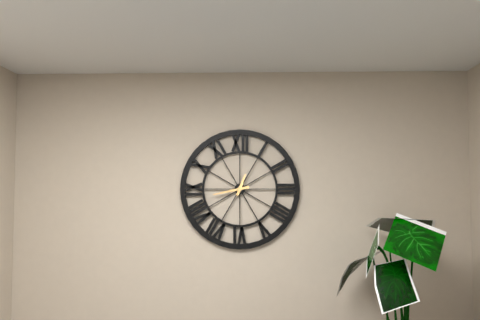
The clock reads 12.43
